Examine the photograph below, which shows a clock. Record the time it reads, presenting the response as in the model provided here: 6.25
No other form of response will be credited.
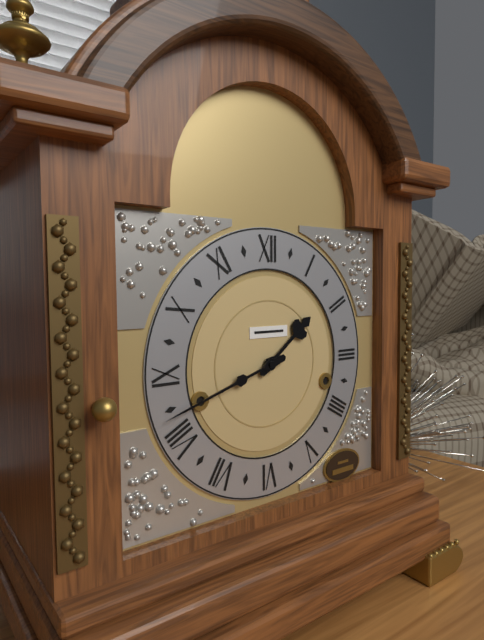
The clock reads 1.42
